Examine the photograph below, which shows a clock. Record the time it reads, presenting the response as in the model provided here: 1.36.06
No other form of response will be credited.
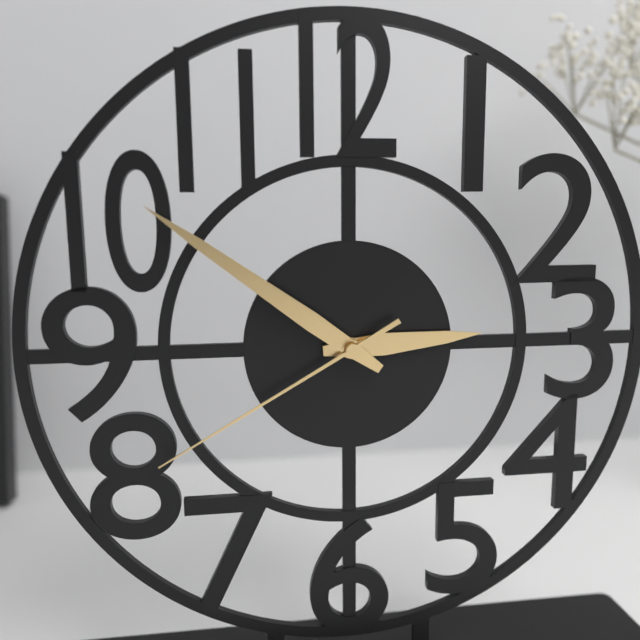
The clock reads 2.51.40
